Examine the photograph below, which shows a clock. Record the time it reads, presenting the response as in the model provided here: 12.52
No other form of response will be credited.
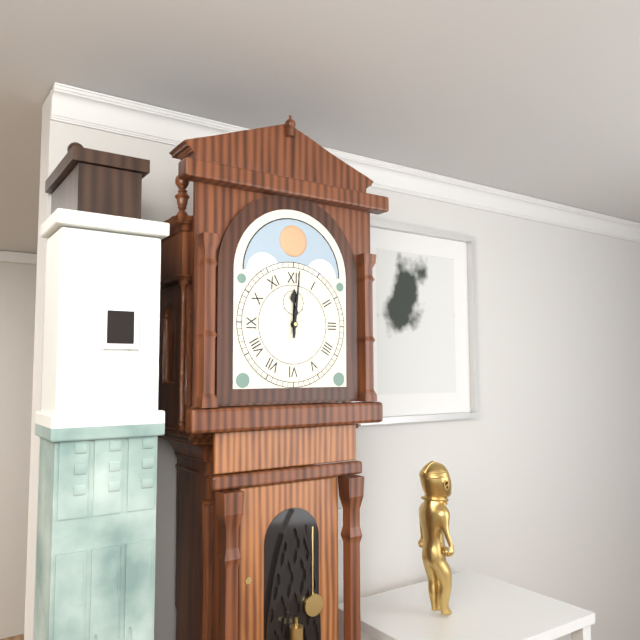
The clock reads 12.01
